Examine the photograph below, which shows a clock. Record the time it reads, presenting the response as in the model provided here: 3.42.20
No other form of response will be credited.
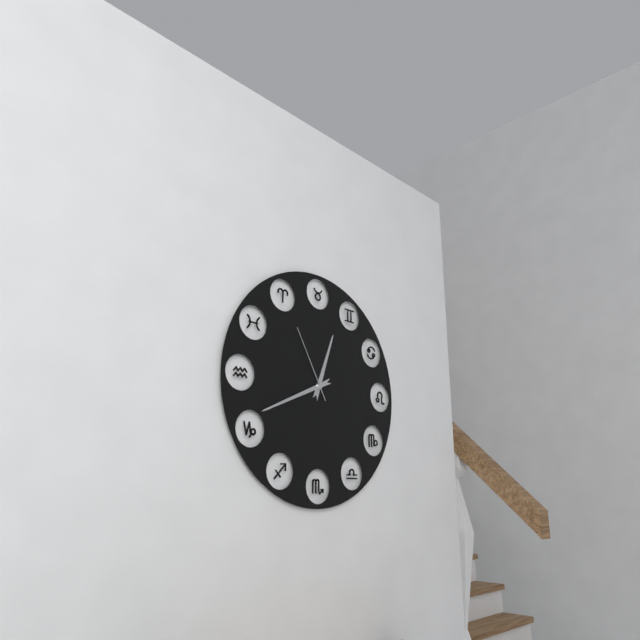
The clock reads 12.41.55
